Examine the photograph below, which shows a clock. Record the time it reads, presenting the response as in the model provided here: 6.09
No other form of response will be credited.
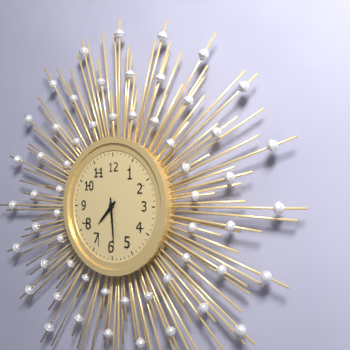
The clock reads 7.29
